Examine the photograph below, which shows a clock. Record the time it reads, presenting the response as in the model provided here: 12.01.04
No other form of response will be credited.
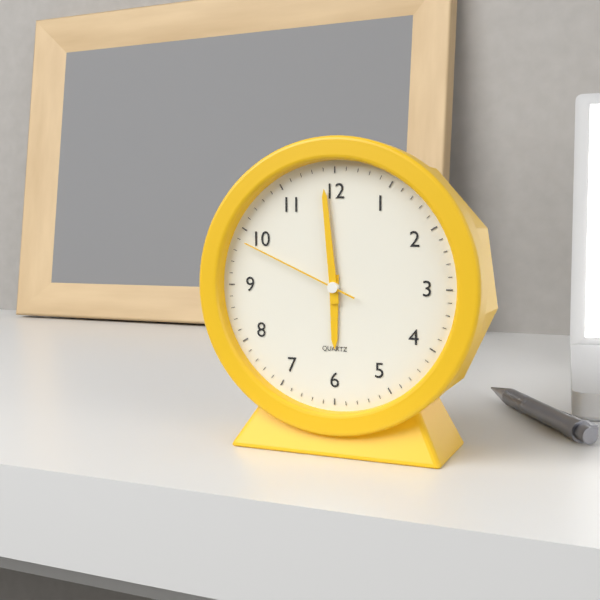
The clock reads 5.59.49
